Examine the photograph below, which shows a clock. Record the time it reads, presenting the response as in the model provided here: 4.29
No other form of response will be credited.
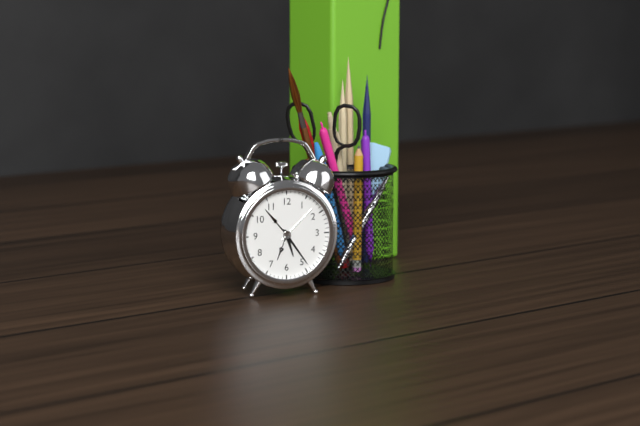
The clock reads 5.24
